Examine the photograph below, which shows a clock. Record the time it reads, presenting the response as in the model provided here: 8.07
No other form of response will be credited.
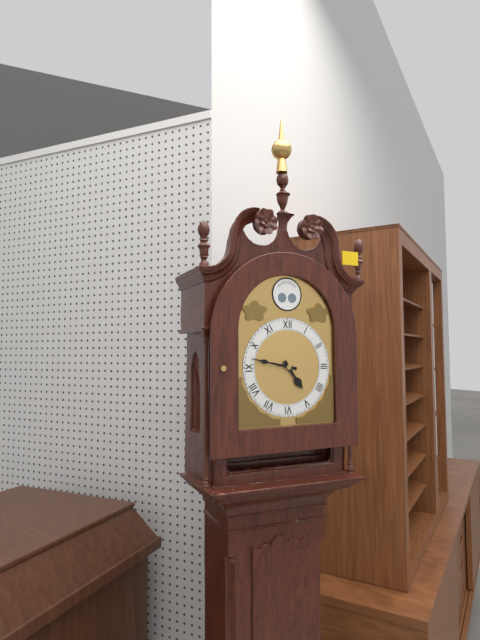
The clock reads 4.47
